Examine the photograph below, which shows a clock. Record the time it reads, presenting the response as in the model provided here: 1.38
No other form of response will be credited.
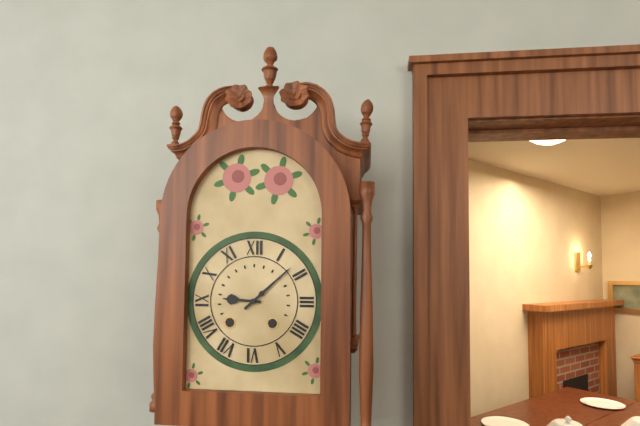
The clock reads 9.08
